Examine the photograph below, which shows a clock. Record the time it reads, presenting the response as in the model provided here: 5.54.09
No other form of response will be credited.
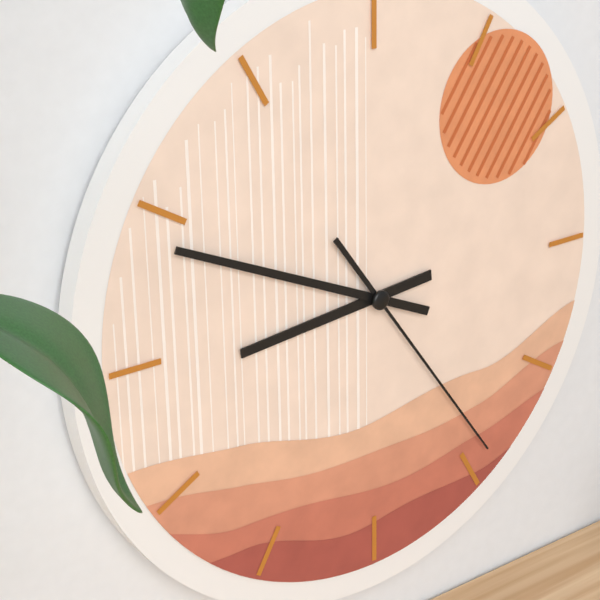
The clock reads 8.49.24
